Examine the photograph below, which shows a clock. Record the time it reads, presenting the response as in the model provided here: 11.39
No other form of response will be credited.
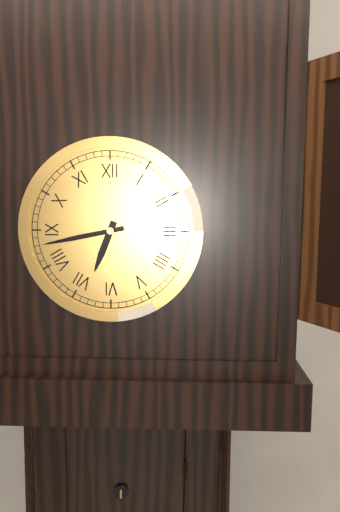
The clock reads 6.43
